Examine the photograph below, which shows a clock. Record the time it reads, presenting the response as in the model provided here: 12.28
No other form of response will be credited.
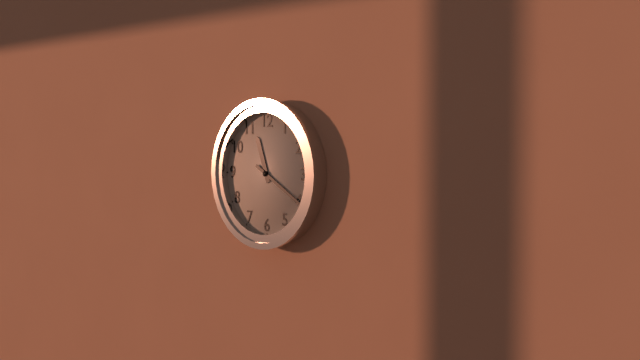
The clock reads 11.20
